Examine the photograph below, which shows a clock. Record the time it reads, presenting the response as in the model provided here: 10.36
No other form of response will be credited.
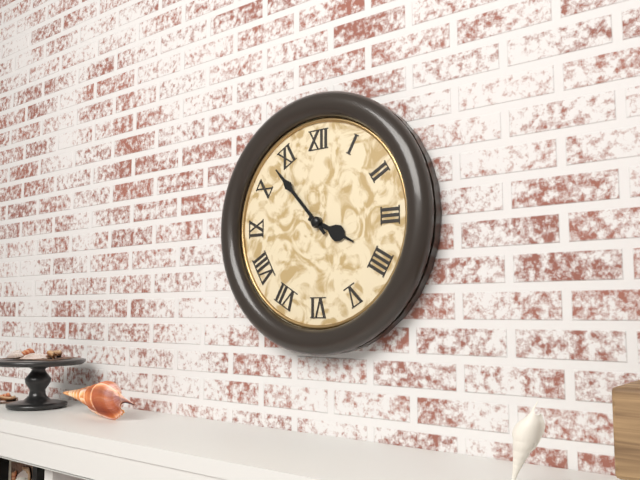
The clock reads 3.53
